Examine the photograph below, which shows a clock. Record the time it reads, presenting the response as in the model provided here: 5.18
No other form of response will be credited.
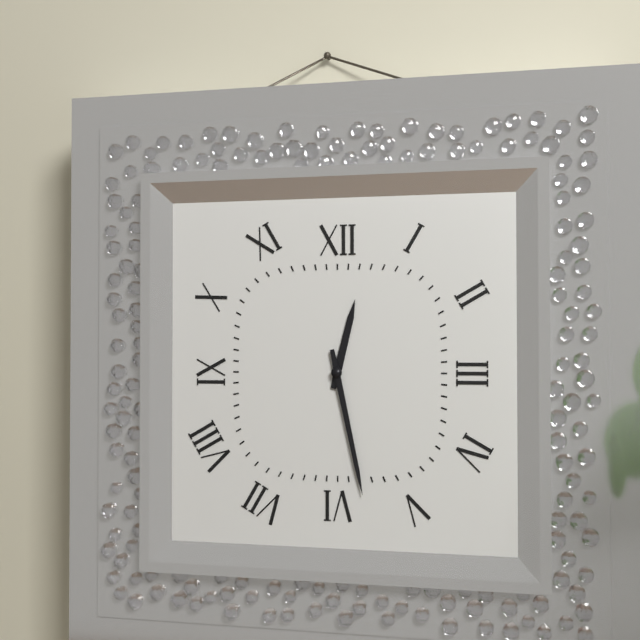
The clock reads 12.28
